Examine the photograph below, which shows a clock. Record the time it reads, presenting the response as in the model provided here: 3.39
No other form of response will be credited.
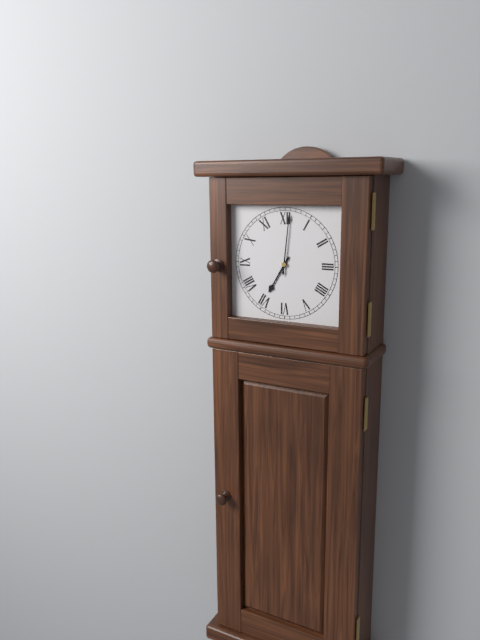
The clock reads 7.01
